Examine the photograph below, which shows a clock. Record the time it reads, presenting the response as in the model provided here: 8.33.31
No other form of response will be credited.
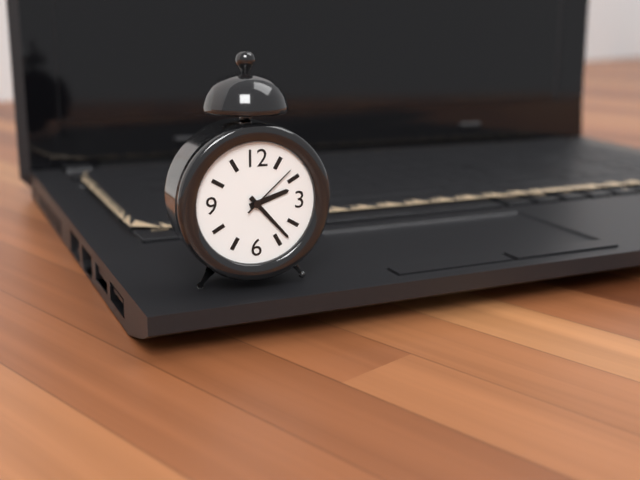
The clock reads 2.23.08
